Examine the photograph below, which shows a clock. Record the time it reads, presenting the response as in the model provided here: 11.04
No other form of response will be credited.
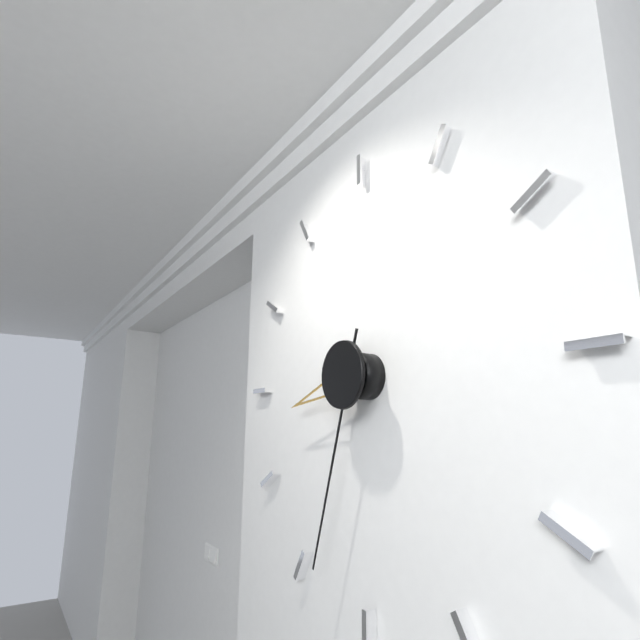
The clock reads 8.33
